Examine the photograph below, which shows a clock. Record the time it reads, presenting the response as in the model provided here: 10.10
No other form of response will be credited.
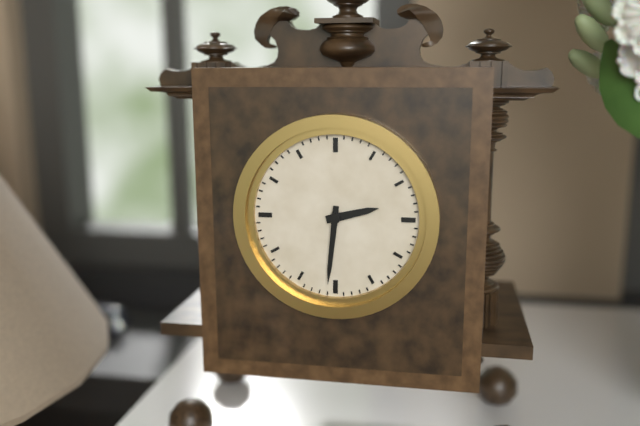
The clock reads 2.31
